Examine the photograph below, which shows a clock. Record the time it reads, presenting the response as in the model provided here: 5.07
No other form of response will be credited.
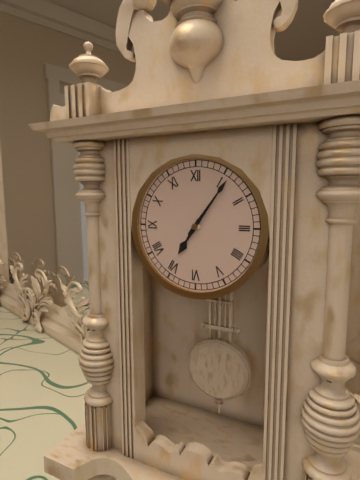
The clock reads 7.06
